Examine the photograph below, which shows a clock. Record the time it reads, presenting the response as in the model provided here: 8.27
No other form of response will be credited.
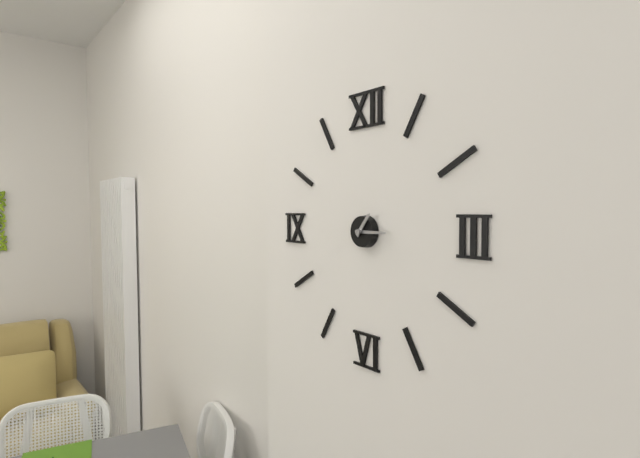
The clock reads 1.15
